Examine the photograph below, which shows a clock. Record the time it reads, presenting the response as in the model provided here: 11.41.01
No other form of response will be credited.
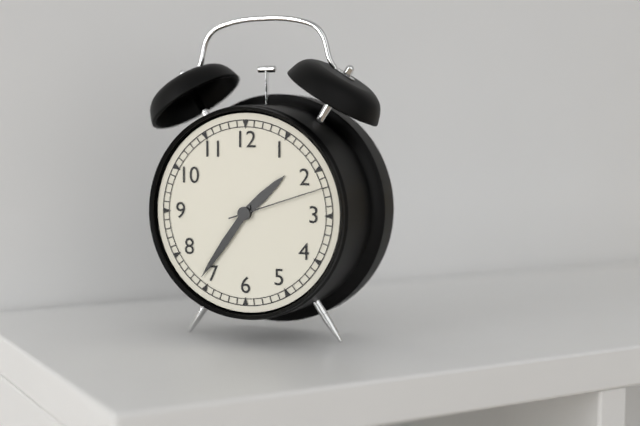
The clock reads 1.36.12
